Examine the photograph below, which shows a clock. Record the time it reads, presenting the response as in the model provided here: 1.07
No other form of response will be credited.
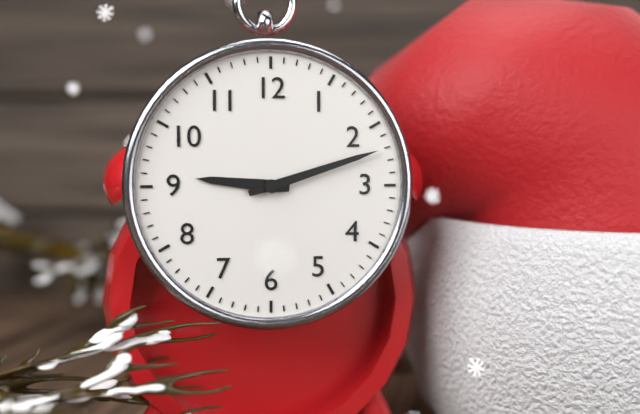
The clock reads 9.12
